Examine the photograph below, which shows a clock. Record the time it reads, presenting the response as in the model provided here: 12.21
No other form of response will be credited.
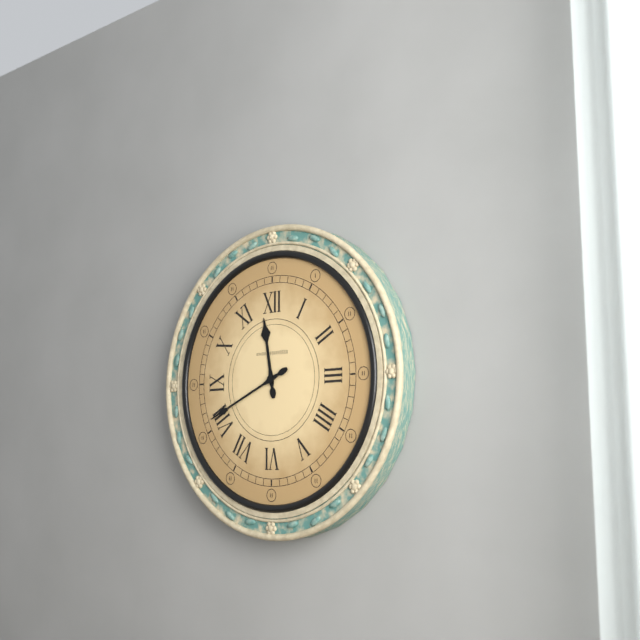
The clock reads 11.41
